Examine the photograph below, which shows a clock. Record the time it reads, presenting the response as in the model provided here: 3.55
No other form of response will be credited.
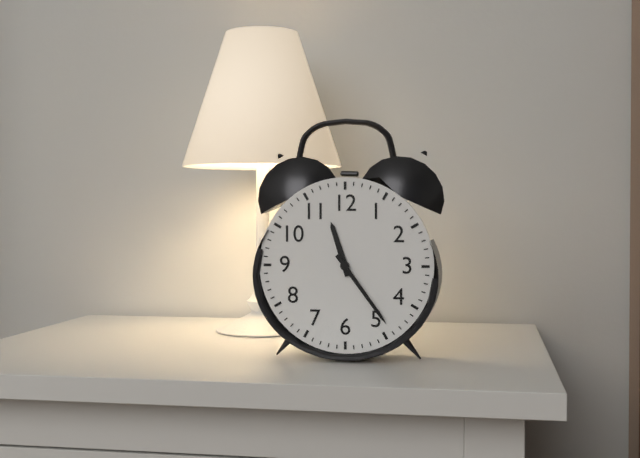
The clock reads 11.24
